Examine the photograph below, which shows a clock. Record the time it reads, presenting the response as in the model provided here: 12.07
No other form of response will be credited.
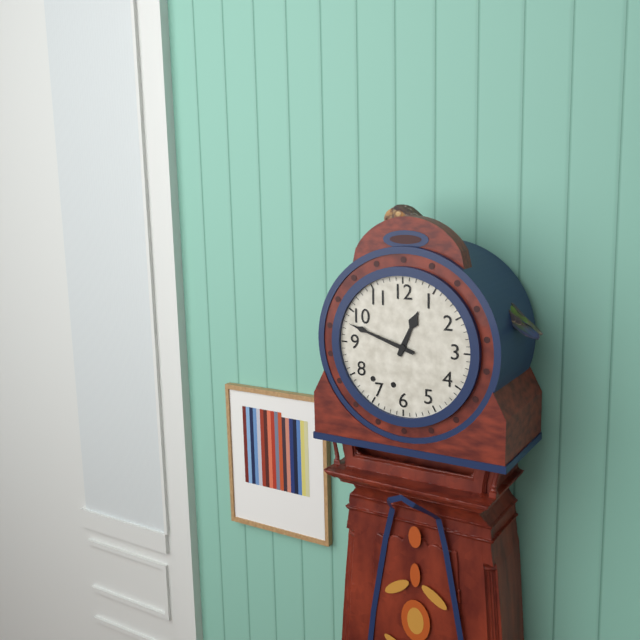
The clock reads 12.48
